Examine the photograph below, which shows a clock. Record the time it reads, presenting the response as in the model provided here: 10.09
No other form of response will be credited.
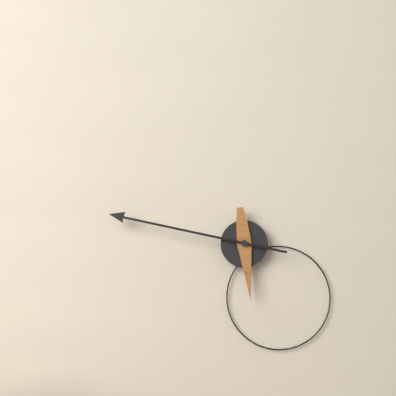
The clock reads 5.47
